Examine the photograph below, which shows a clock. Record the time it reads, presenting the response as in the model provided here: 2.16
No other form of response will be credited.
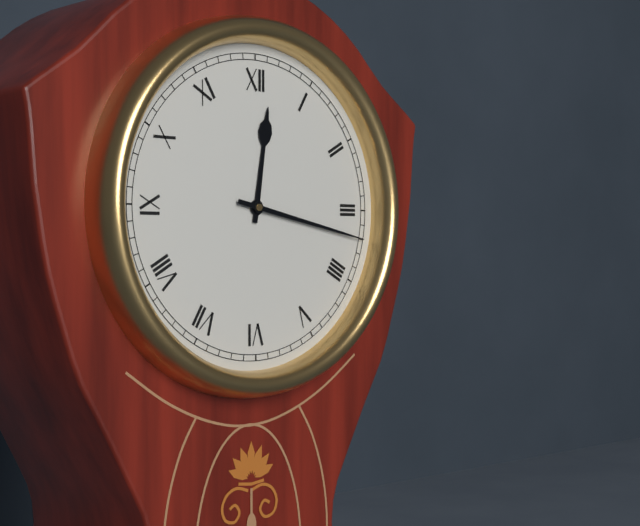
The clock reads 12.17
